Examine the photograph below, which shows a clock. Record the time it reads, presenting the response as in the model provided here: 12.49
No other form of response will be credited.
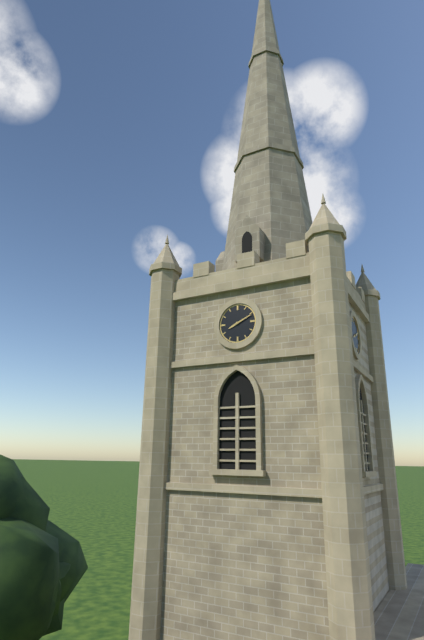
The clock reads 8.11
